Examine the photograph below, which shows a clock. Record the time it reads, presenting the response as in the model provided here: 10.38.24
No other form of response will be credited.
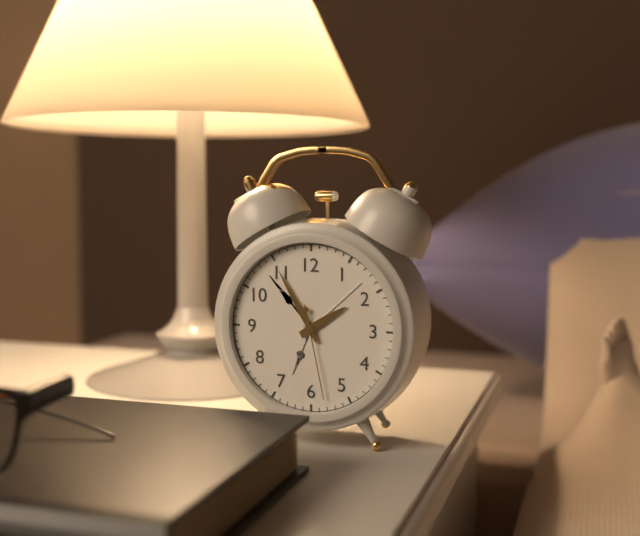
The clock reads 1.55.28
